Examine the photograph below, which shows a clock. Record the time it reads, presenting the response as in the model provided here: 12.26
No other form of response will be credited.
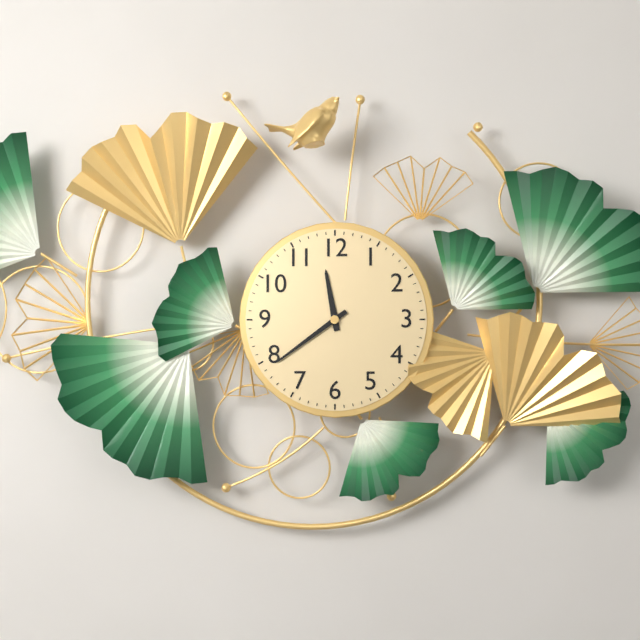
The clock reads 11.39
